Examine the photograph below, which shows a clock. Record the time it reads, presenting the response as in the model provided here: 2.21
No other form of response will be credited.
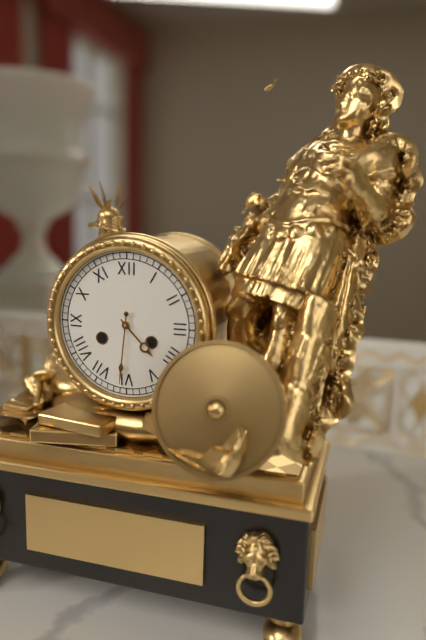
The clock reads 4.31
